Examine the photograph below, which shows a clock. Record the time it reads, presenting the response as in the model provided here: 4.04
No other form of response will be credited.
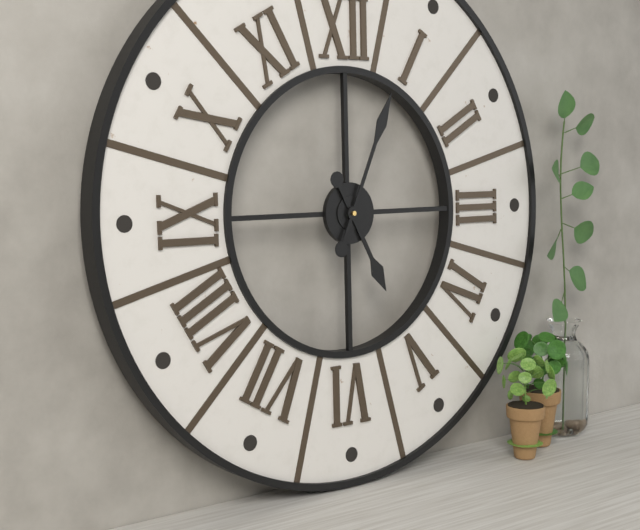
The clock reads 5.04
